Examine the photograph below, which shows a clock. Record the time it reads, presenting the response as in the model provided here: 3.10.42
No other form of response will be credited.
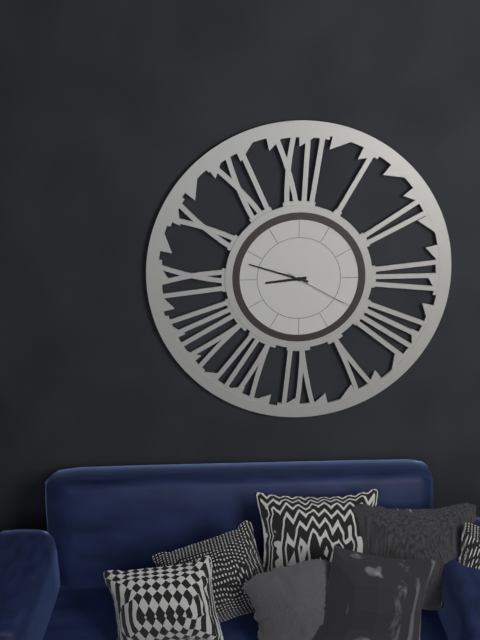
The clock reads 8.48.20
